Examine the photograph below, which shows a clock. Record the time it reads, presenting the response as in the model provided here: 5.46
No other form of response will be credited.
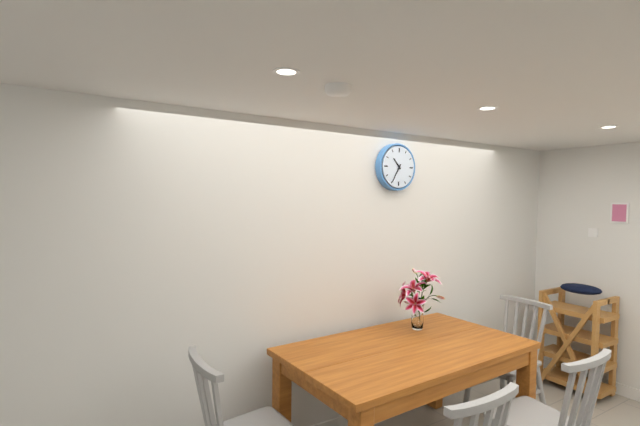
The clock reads 10.35
